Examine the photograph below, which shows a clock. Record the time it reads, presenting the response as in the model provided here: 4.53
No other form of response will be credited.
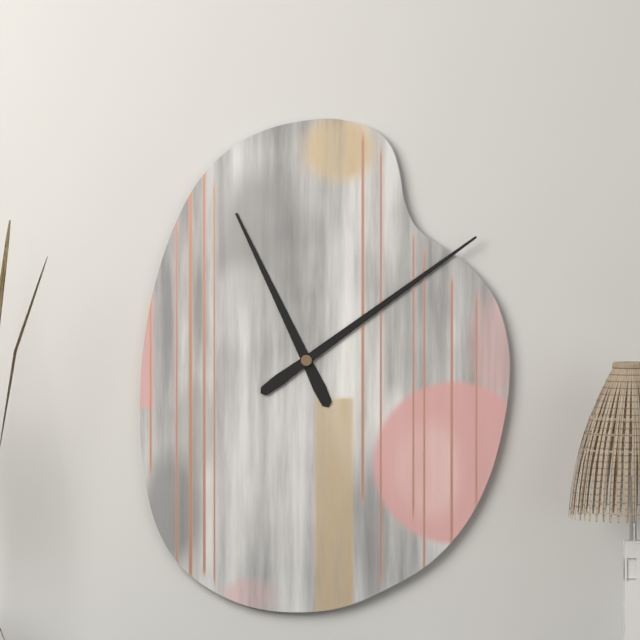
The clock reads 11.09
